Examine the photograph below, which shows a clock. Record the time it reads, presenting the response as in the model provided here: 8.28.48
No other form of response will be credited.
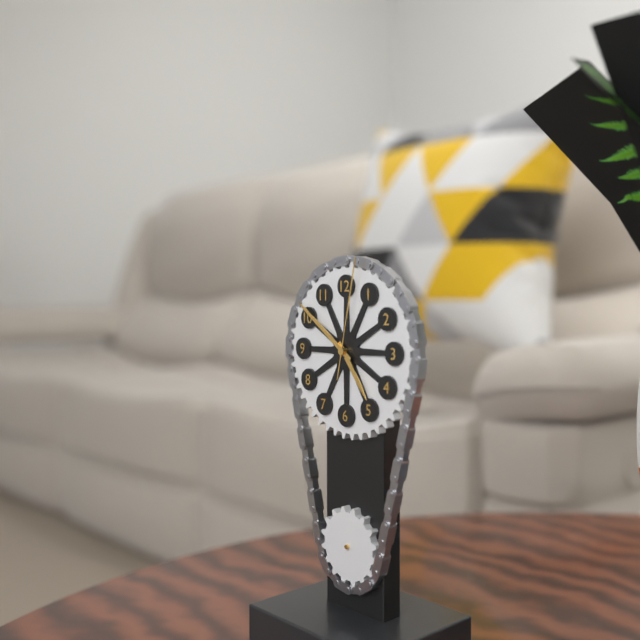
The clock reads 4.51.02
